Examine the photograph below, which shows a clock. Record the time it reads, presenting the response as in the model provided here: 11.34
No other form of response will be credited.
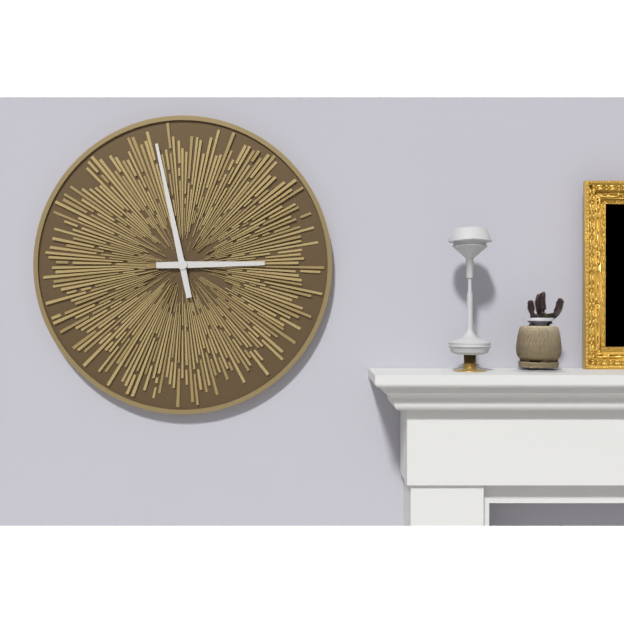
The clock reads 2.58
